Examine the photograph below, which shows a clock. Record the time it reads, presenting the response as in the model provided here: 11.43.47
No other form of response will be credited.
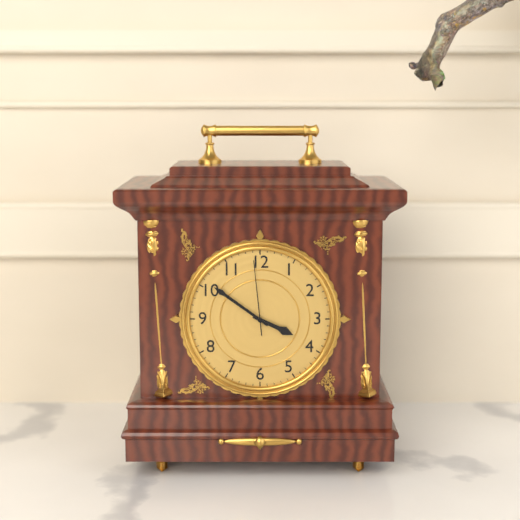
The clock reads 3.51.59
